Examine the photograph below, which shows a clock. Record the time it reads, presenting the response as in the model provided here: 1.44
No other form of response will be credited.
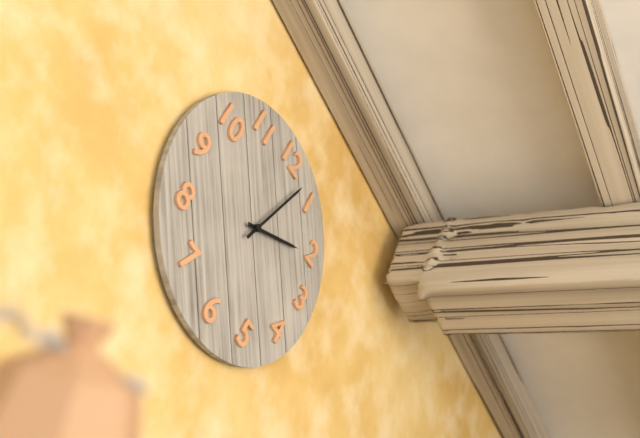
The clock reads 2.03
